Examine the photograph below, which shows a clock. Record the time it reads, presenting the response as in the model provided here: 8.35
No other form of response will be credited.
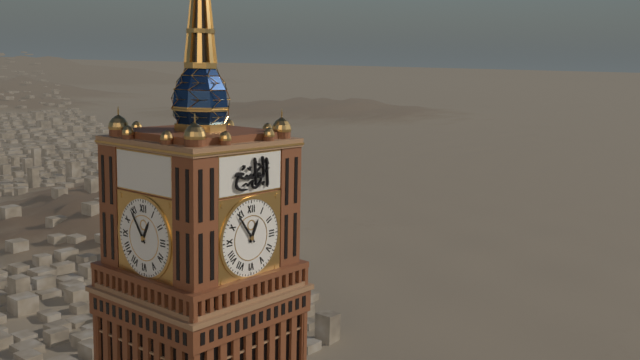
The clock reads 12.54
